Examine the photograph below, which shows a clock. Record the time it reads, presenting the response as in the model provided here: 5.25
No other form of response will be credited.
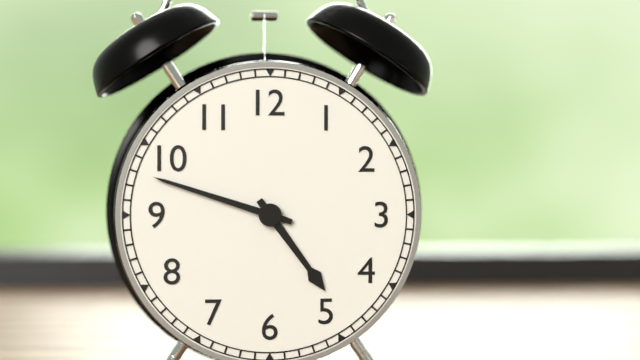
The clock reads 4.48
